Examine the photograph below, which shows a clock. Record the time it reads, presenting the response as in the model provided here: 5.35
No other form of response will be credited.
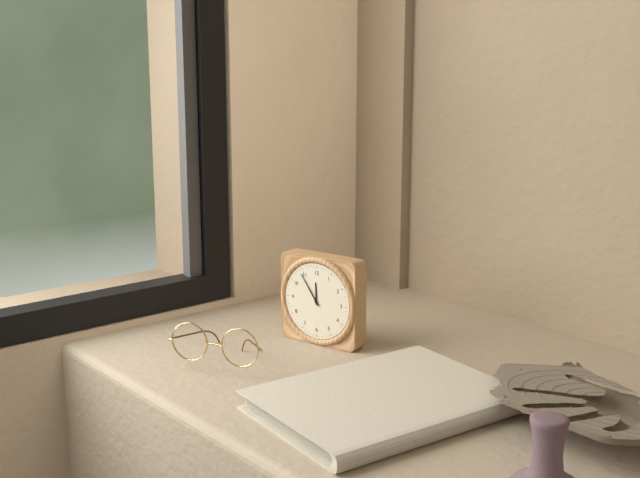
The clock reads 11.54
